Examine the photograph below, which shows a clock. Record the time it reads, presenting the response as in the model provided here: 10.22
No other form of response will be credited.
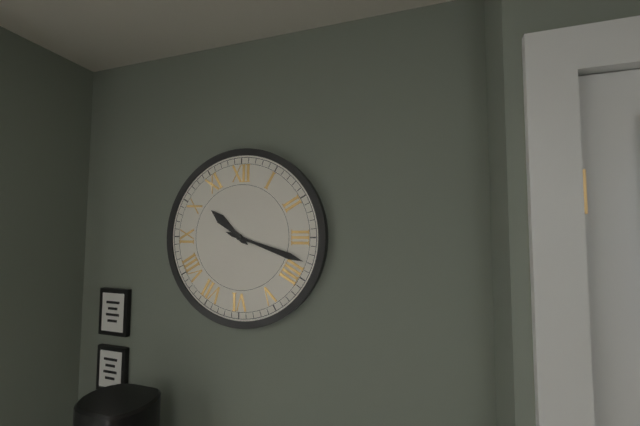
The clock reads 10.18
